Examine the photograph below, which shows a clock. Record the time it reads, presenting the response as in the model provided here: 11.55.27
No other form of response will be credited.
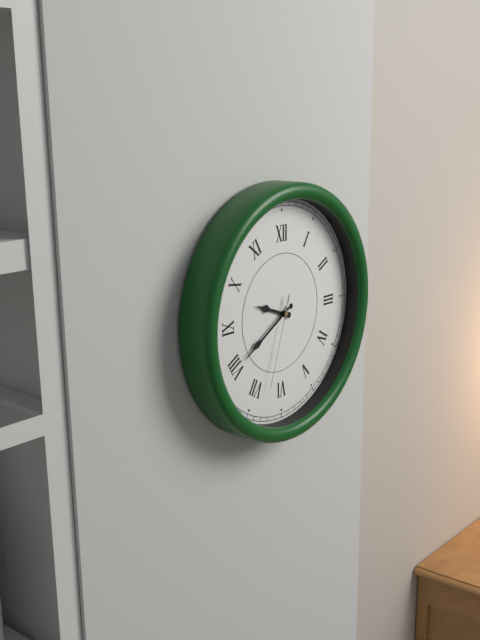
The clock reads 9.40.33
